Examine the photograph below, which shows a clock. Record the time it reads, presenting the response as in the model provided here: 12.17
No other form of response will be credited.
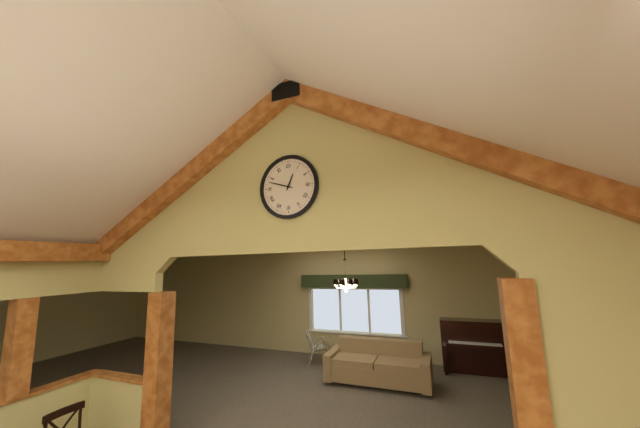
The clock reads 12.48
